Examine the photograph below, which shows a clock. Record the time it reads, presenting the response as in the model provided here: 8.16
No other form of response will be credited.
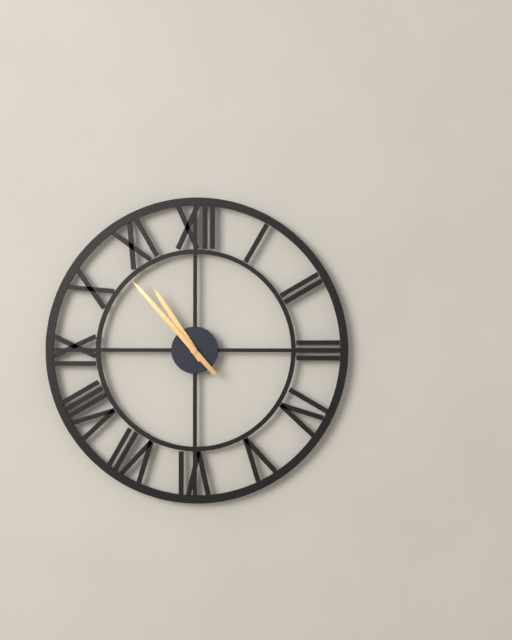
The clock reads 10.53
